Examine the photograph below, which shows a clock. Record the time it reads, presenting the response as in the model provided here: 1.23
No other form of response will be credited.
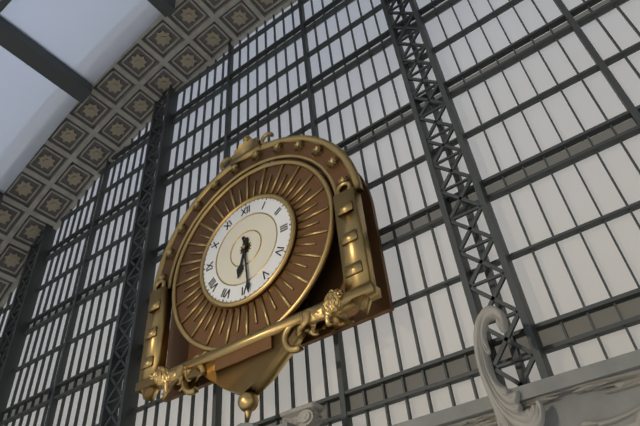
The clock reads 6.29
